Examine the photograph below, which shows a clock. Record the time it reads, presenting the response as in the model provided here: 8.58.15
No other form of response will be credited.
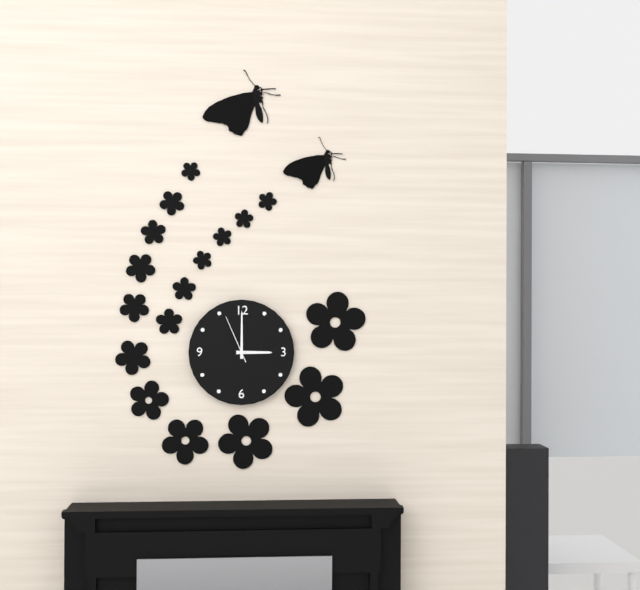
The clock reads 3.00.56
